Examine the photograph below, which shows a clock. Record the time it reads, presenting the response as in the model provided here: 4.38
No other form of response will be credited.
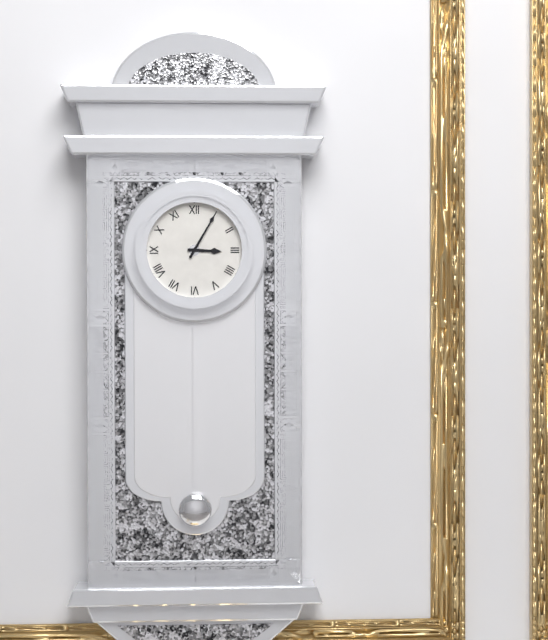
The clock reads 3.05
